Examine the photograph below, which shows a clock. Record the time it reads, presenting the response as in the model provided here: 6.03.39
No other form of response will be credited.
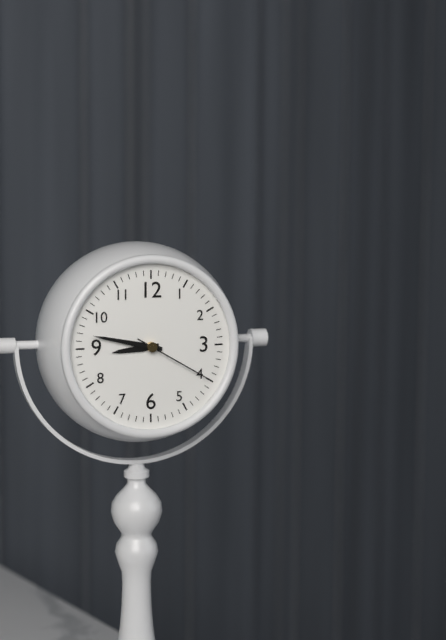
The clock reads 8.47.20
